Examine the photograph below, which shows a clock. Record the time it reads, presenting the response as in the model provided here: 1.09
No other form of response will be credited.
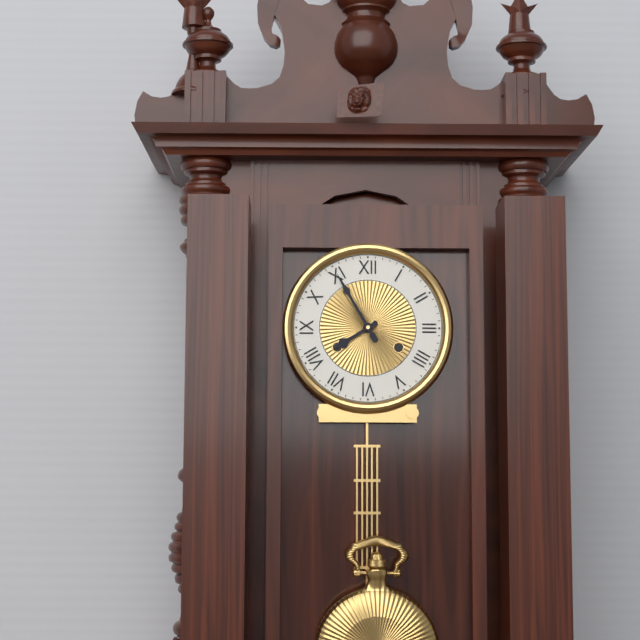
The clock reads 7.55
